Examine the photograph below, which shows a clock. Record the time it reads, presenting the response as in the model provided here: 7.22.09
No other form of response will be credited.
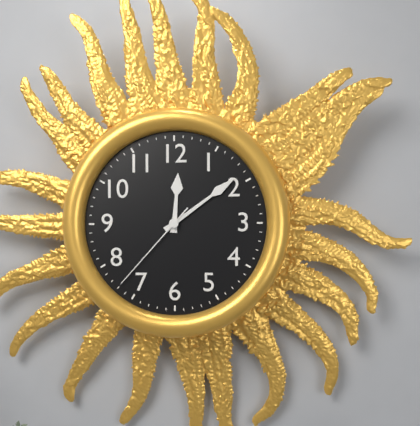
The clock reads 12.09.37
